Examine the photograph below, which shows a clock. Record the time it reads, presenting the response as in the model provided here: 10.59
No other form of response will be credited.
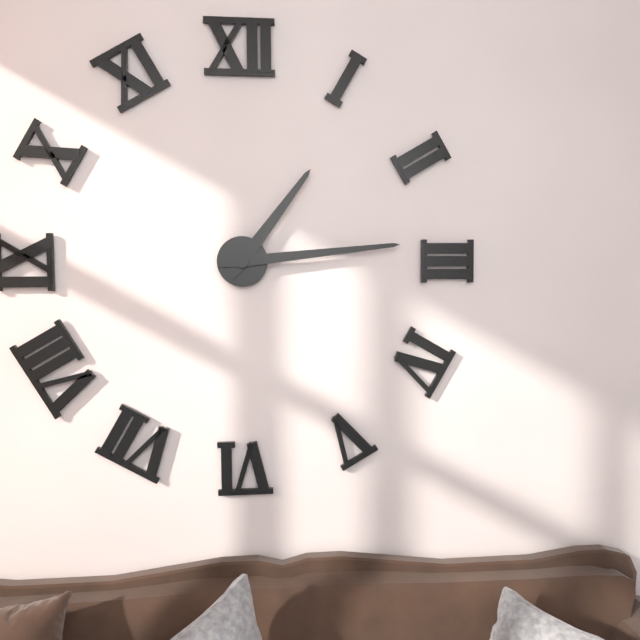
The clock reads 1.14
